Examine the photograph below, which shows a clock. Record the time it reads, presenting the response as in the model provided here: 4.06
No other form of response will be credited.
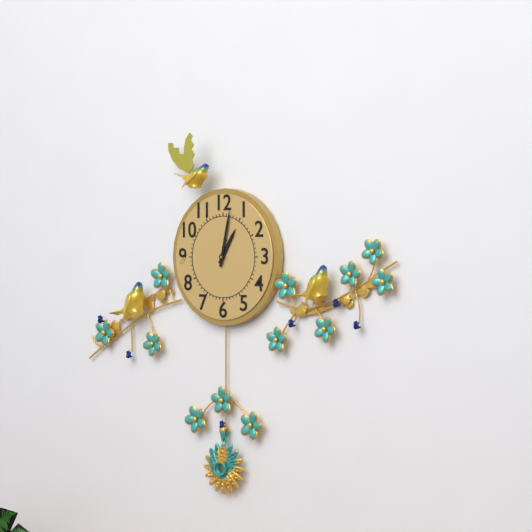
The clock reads 1.02
